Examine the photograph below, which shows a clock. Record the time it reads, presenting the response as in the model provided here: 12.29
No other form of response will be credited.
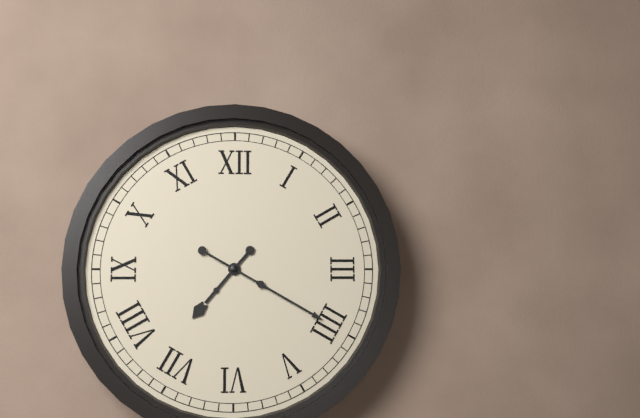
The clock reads 7.20
